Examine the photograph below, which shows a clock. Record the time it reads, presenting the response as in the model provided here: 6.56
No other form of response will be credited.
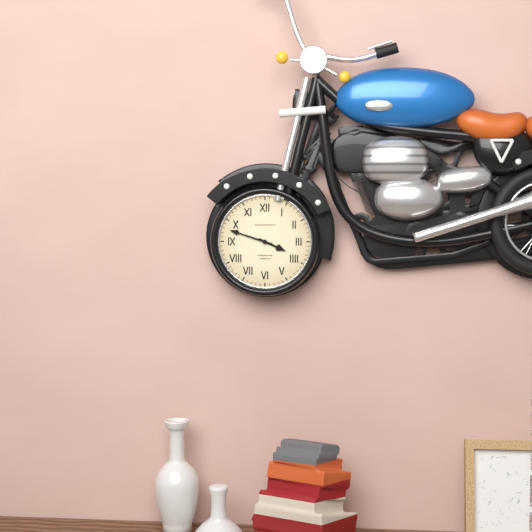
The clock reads 3.48
